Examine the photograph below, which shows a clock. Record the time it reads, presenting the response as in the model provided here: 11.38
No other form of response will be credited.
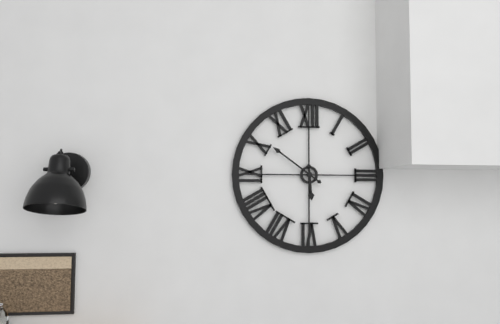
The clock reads 5.51
